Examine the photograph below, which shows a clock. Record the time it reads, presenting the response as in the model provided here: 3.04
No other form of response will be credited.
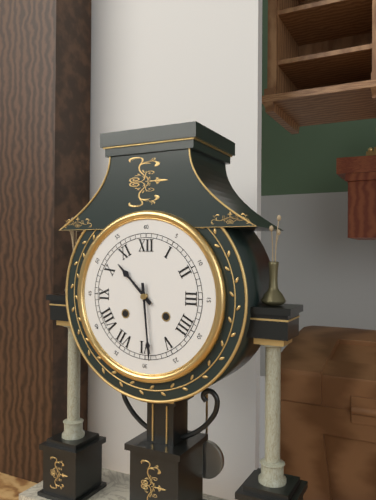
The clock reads 10.29
